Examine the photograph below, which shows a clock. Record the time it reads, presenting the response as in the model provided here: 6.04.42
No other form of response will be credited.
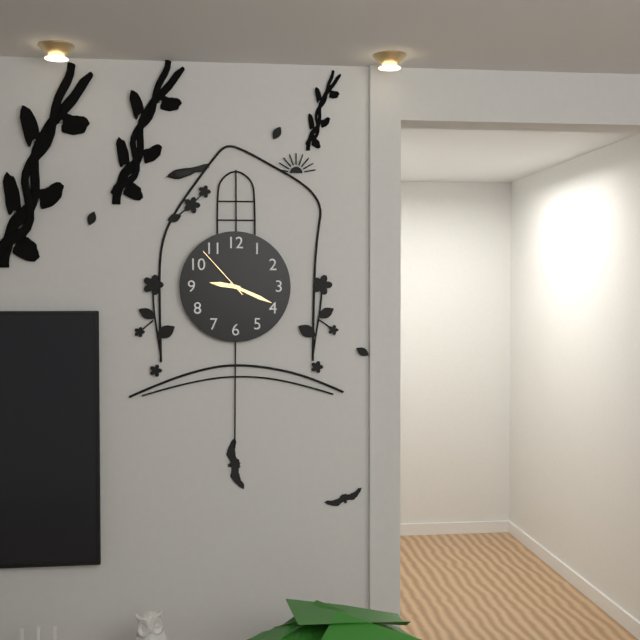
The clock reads 9.19.53
